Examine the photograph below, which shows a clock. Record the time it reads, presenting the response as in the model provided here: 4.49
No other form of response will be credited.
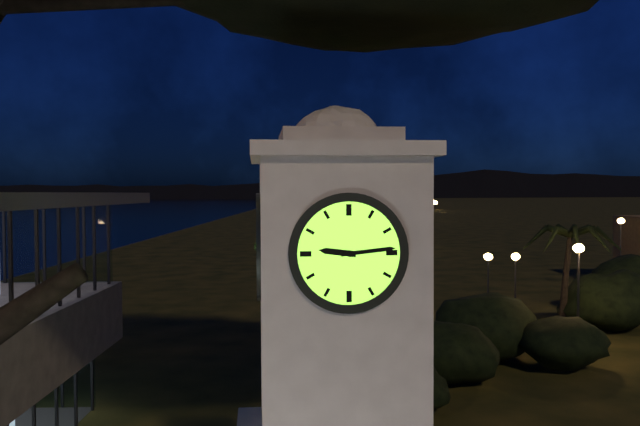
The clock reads 9.14
